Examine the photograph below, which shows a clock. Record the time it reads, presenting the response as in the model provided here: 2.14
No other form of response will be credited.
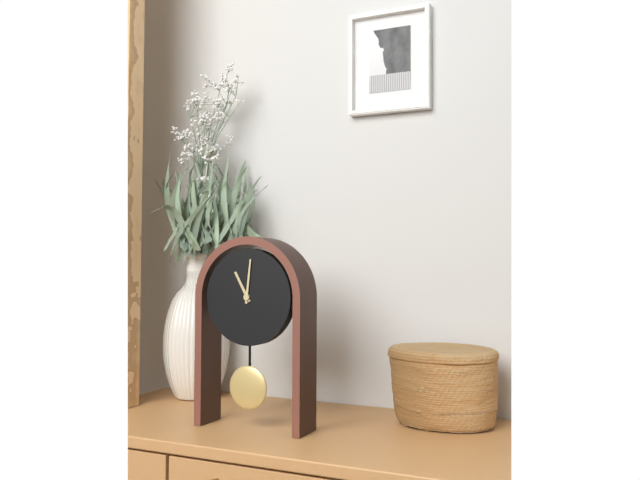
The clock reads 11.01
